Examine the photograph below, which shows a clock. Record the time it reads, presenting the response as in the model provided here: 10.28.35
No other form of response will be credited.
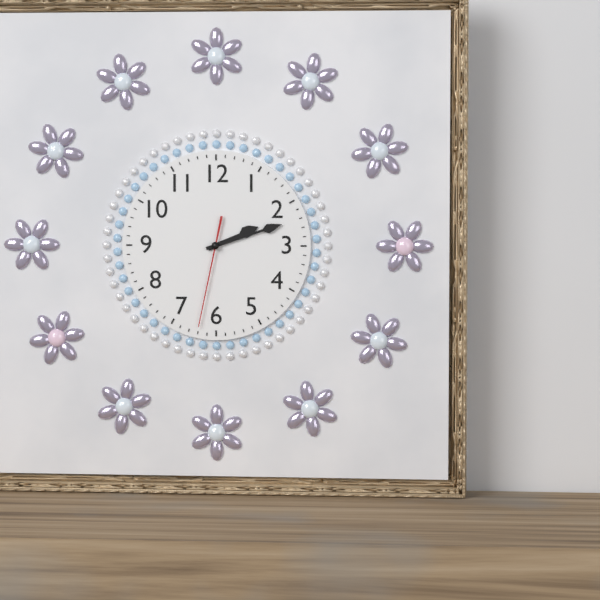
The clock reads 2.12.32
